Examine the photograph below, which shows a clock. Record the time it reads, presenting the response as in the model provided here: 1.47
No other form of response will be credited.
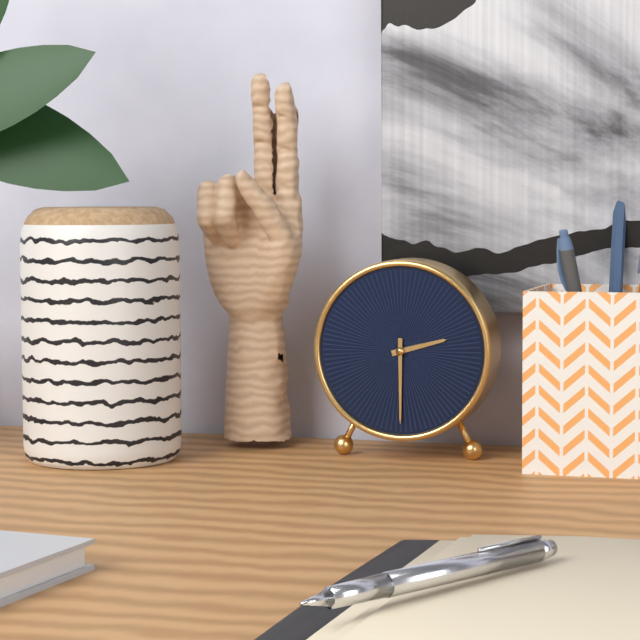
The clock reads 2.30
